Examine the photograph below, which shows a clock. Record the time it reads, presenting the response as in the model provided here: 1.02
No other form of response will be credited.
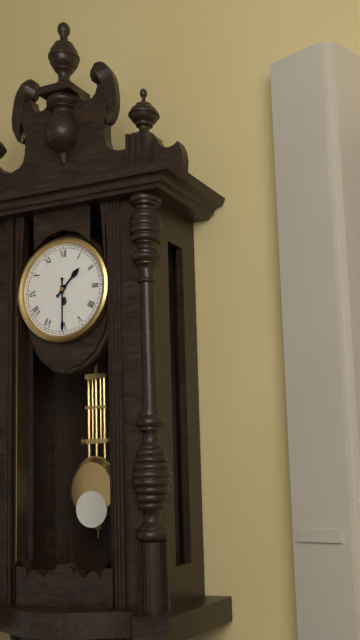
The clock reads 1.30
